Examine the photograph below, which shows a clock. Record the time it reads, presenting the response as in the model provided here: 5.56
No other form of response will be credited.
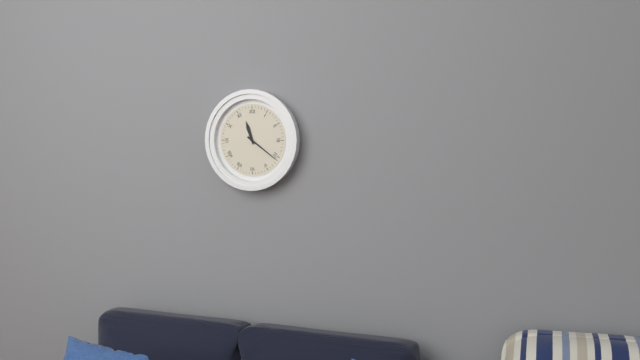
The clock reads 11.21
